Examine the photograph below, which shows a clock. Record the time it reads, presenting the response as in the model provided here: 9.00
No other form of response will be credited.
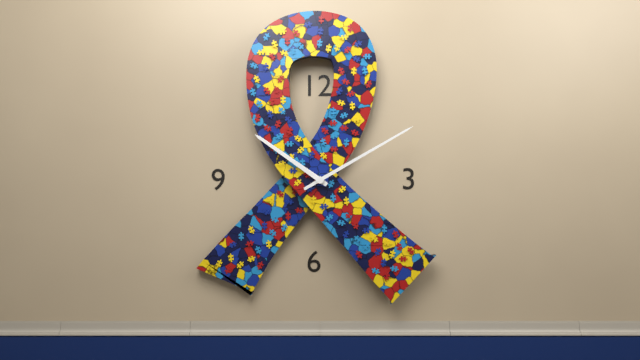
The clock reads 10.10
